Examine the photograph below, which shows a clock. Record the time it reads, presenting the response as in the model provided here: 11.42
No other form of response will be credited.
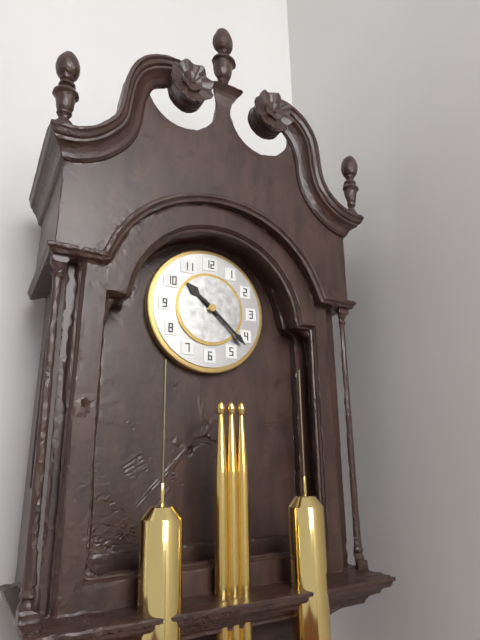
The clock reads 10.22
